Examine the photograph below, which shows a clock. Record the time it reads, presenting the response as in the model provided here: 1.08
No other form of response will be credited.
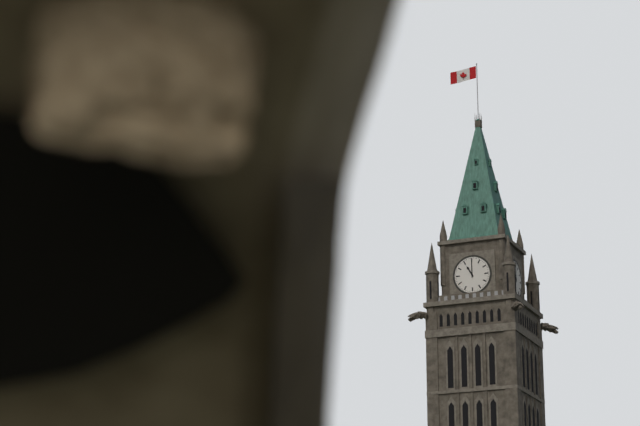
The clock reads 11.00
